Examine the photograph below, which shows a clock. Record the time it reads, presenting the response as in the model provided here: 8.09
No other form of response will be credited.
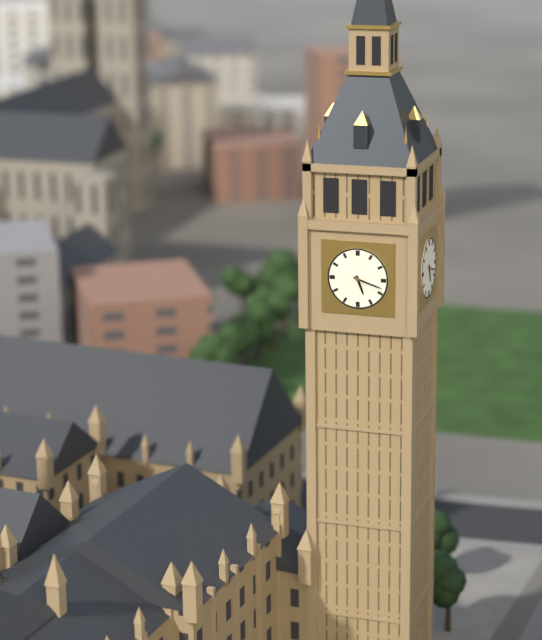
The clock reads 5.18
